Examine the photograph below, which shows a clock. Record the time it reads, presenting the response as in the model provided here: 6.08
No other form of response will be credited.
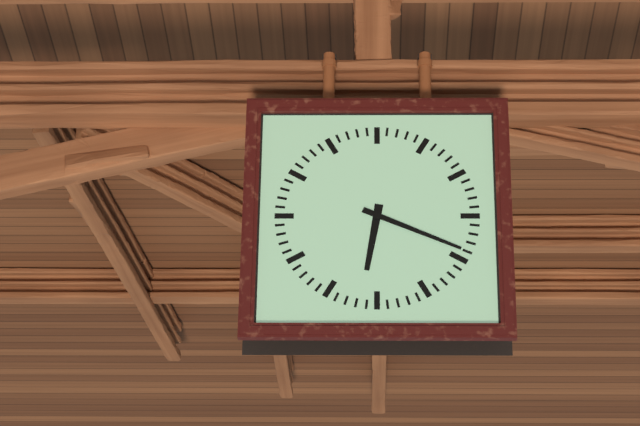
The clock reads 6.19
